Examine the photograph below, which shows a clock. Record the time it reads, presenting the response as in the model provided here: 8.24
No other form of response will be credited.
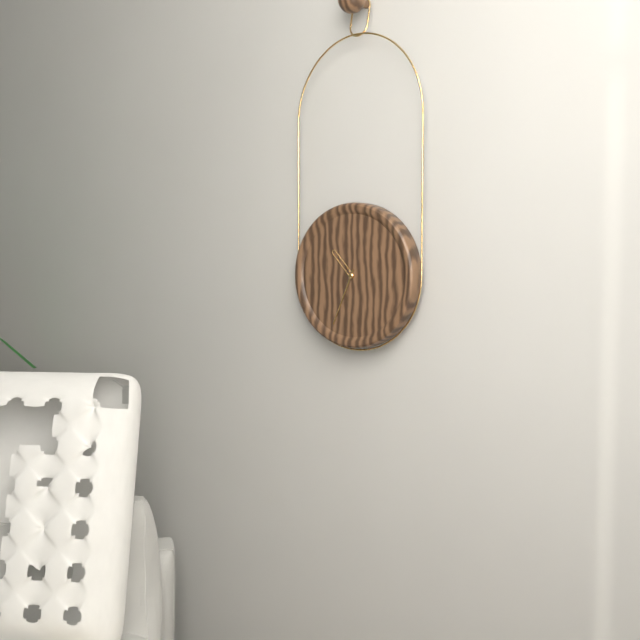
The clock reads 10.34
